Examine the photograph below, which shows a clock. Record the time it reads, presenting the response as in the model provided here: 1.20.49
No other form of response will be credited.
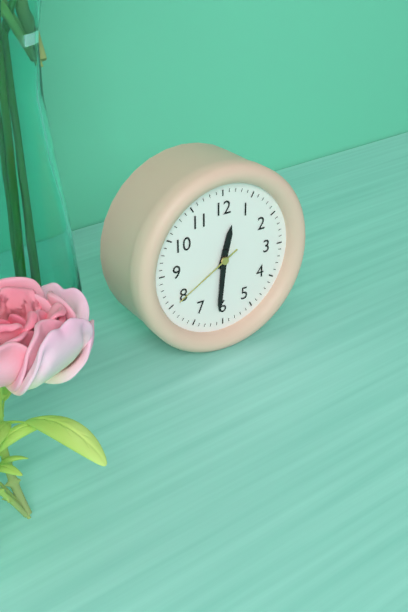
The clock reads 12.31.40
